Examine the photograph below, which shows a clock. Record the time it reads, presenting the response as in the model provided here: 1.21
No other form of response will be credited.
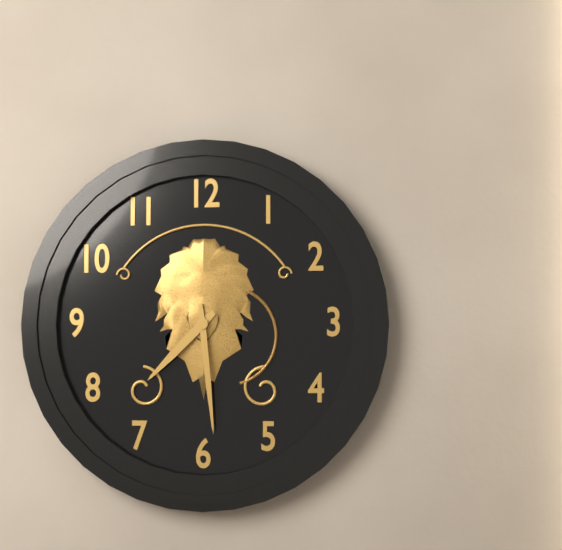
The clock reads 7.29
